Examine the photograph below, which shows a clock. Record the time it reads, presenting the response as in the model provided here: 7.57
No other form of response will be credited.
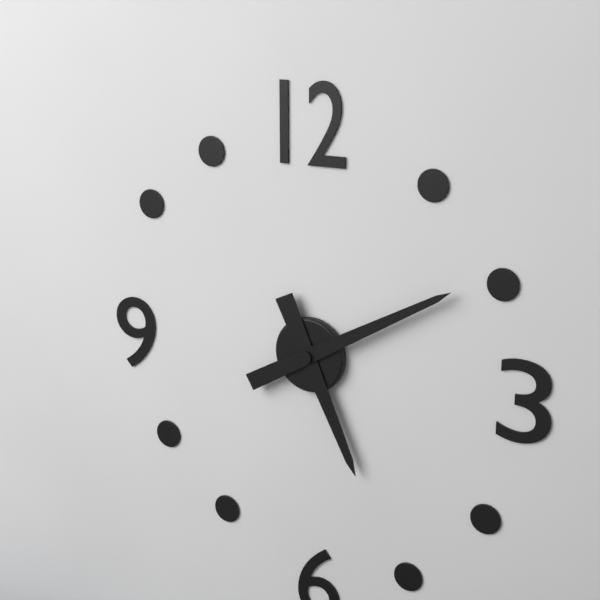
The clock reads 5.10
